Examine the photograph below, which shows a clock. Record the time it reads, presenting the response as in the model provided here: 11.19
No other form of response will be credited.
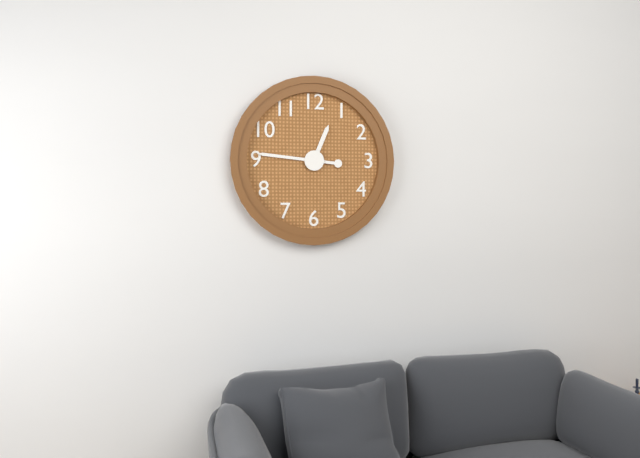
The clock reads 12.46
